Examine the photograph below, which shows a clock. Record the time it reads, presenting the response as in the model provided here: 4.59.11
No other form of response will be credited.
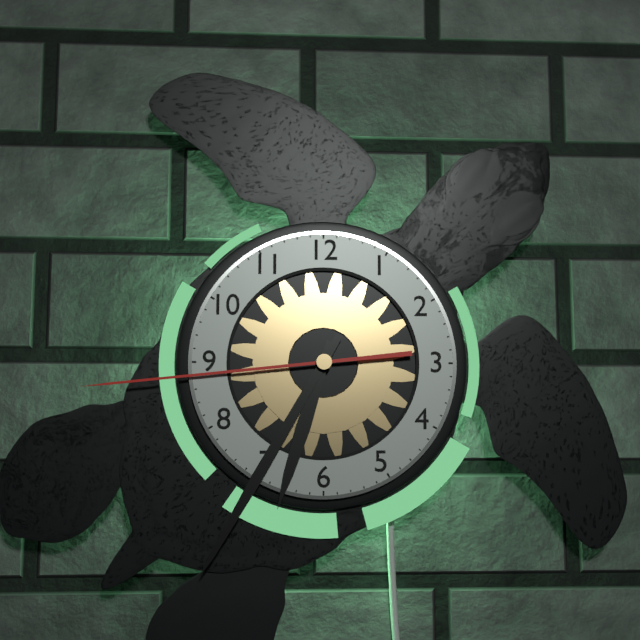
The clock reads 6.35.44
